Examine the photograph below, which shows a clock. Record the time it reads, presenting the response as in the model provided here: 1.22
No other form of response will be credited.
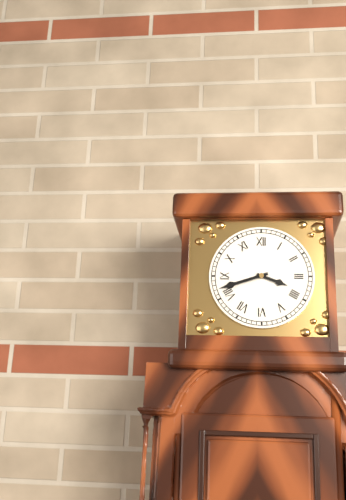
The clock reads 3.42
